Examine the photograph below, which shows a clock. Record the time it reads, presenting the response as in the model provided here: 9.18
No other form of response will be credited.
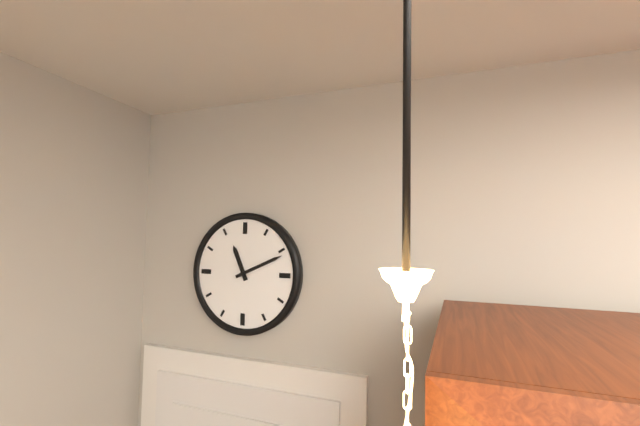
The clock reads 11.11
